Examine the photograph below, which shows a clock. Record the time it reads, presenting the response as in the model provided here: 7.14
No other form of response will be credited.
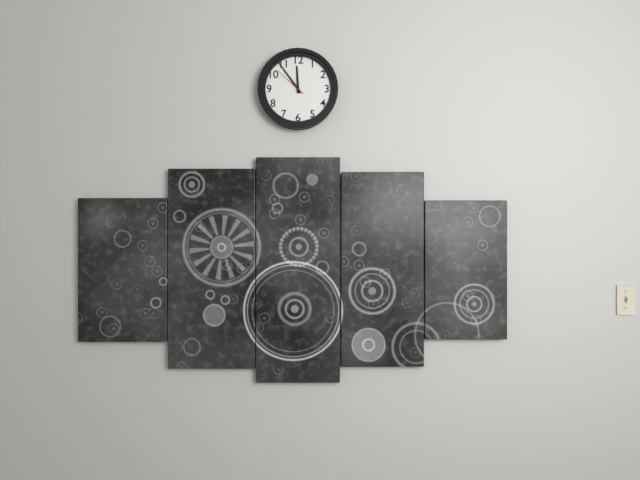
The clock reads 11.54
